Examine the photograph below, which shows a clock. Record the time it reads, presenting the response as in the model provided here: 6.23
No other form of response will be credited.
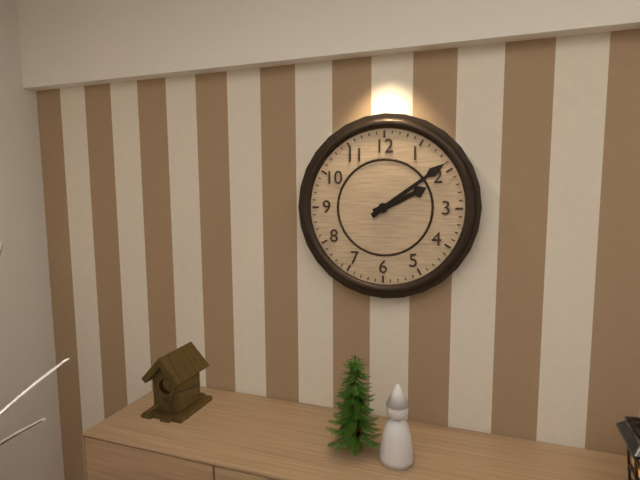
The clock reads 2.09
